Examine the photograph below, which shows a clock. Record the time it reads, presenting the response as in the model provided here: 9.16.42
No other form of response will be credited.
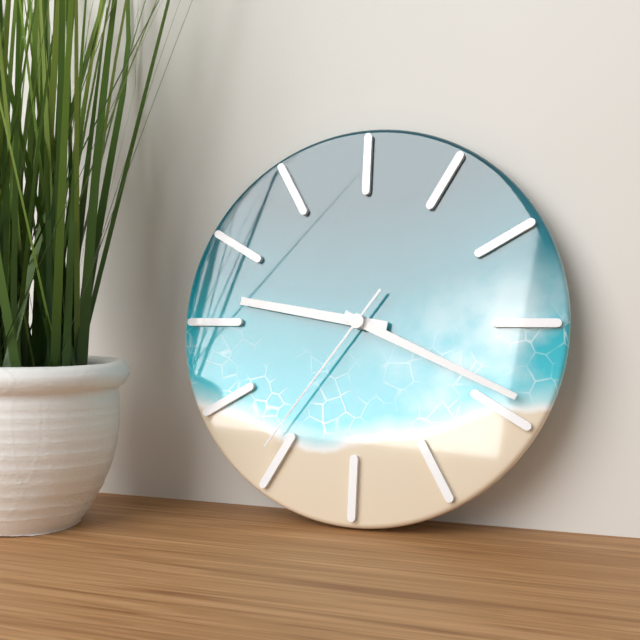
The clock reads 9.19.36
